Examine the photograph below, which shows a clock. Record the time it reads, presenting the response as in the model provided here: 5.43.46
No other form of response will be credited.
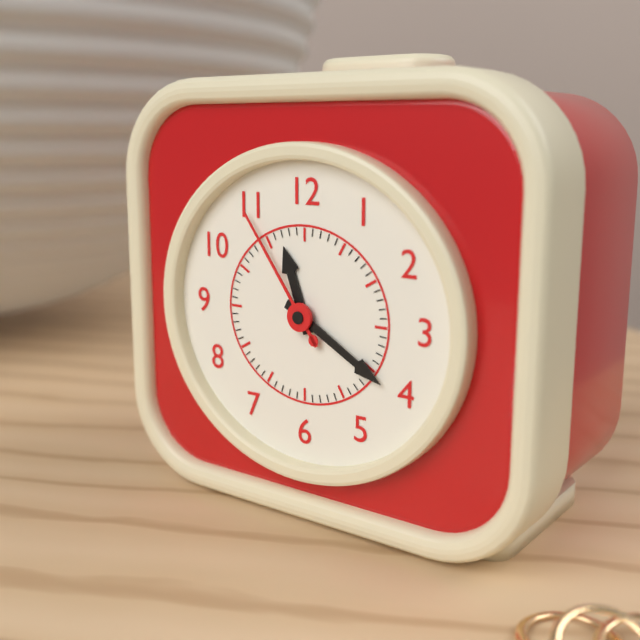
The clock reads 11.20.54
